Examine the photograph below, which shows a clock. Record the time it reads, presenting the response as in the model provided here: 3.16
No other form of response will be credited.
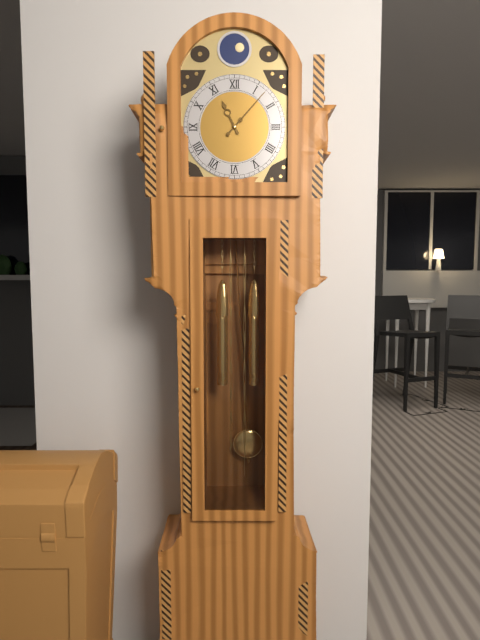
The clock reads 11.07
